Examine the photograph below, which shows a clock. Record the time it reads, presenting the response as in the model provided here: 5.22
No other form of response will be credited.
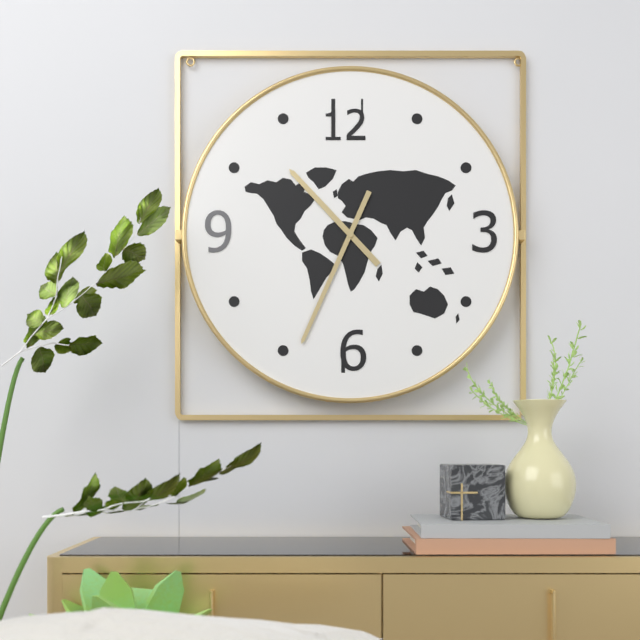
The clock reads 10.34
